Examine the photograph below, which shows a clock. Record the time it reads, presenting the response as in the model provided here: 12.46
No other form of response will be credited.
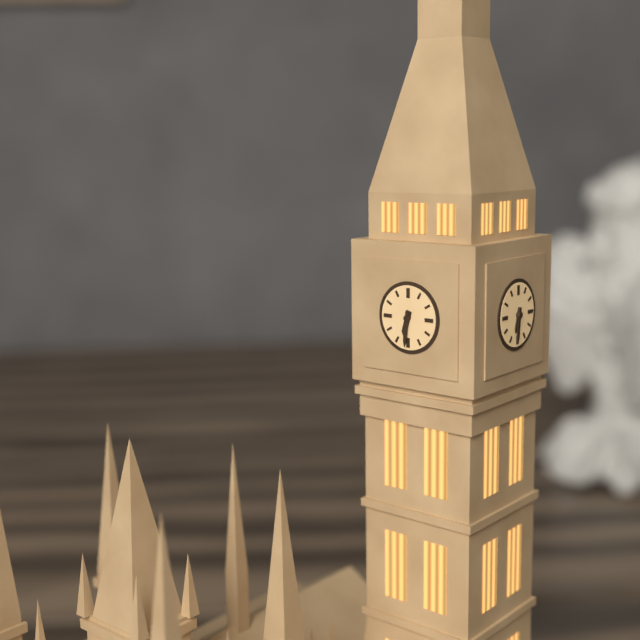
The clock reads 6.31
